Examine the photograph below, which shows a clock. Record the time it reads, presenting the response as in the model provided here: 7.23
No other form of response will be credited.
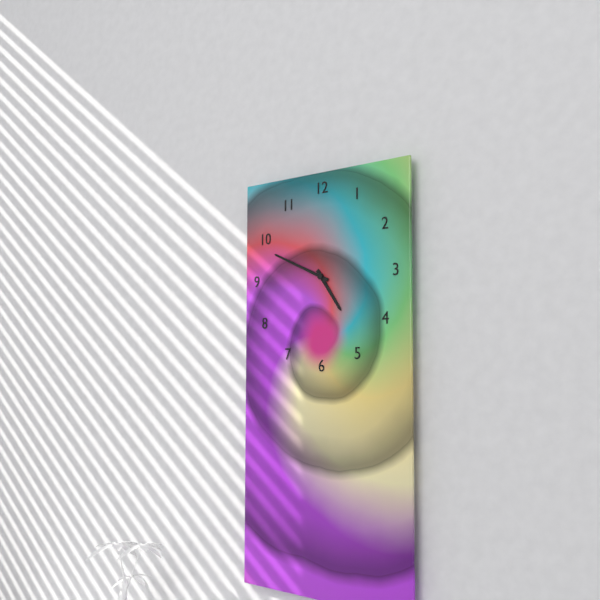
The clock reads 4.49
